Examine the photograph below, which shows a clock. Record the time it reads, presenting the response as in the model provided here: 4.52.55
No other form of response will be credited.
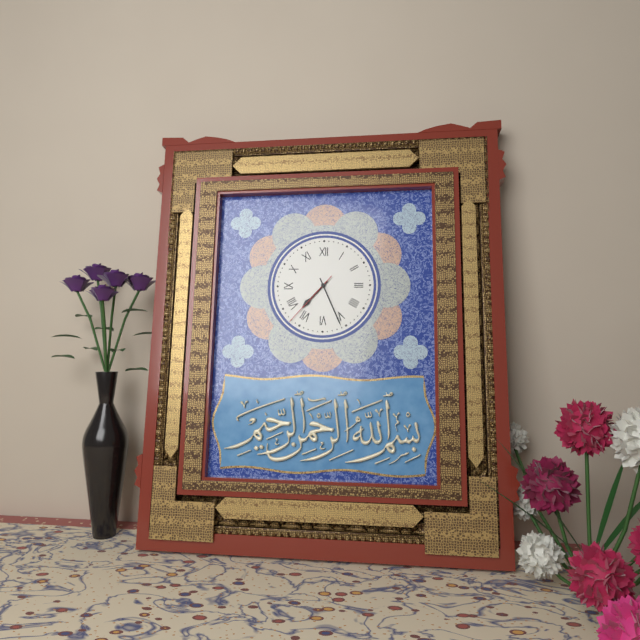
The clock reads 7.26.37
